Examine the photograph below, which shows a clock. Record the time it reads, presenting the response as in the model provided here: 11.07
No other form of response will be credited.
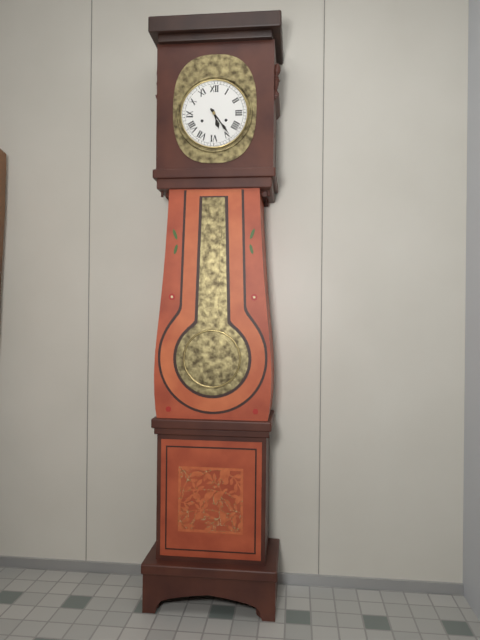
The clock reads 5.24
